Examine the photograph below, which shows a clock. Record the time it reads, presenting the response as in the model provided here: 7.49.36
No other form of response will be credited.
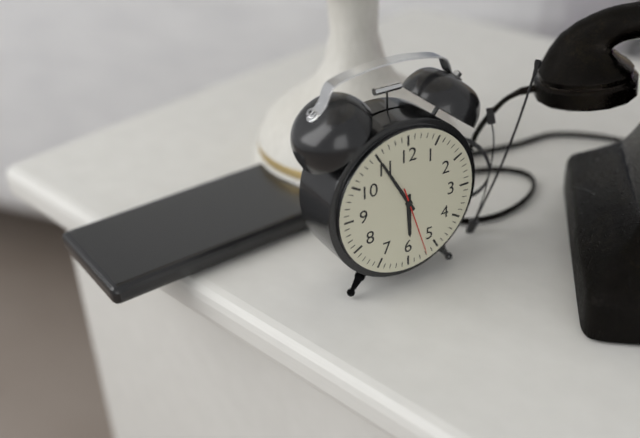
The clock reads 5.55.27
